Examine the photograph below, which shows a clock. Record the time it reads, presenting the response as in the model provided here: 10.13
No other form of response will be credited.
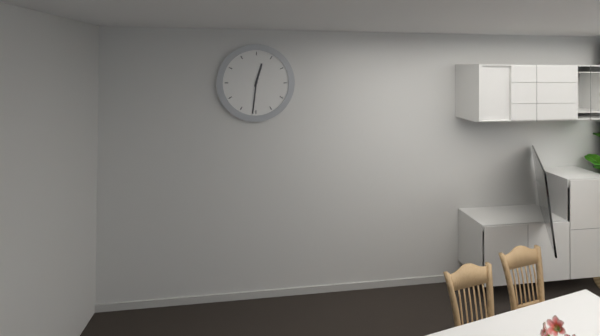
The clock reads 12.31
